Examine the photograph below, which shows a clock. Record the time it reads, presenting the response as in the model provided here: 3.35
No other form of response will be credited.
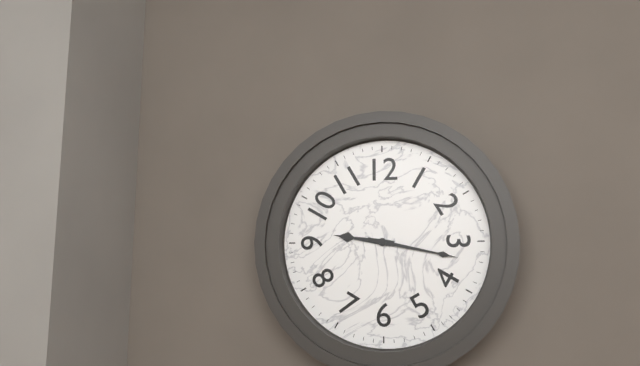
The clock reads 9.17
